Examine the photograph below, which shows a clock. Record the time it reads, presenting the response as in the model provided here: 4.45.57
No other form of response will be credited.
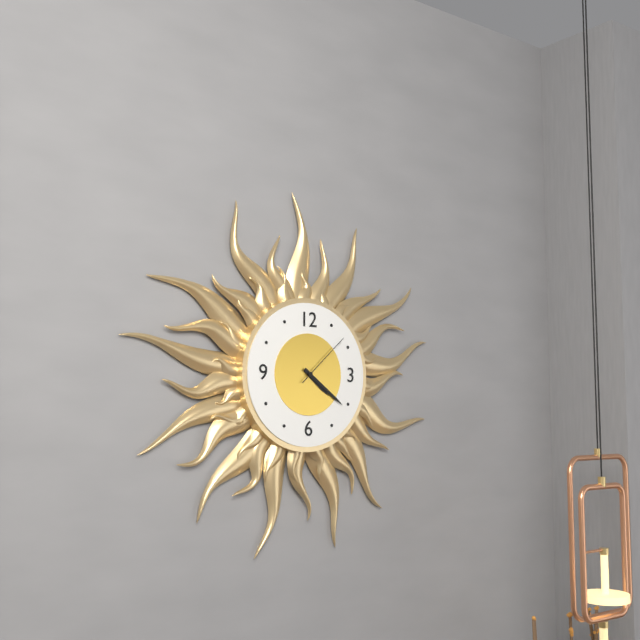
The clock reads 4.21.08
